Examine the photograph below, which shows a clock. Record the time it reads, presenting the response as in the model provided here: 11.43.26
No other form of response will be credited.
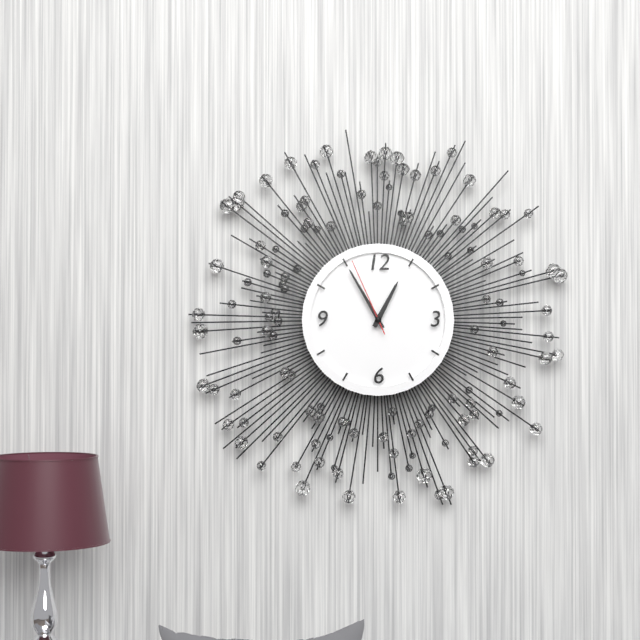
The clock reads 12.55.56
